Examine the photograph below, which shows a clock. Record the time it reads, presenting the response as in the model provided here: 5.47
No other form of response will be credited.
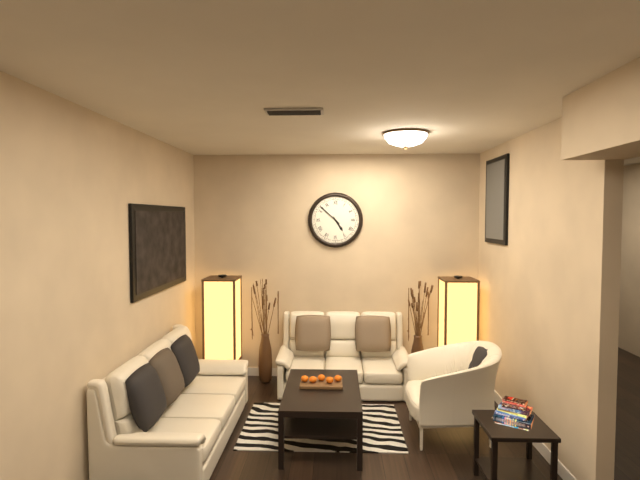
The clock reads 4.52
